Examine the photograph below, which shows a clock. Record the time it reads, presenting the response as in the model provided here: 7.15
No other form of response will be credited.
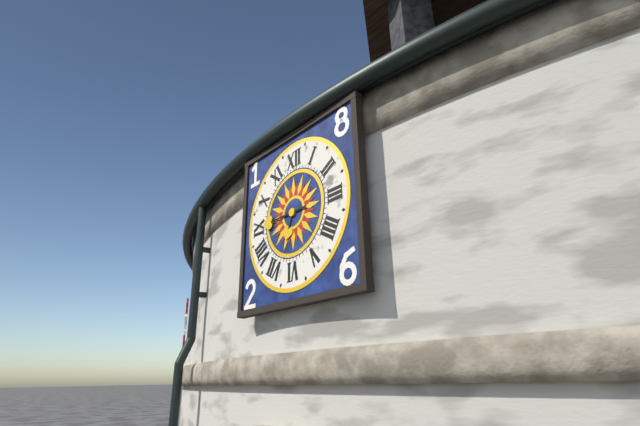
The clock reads 6.45
